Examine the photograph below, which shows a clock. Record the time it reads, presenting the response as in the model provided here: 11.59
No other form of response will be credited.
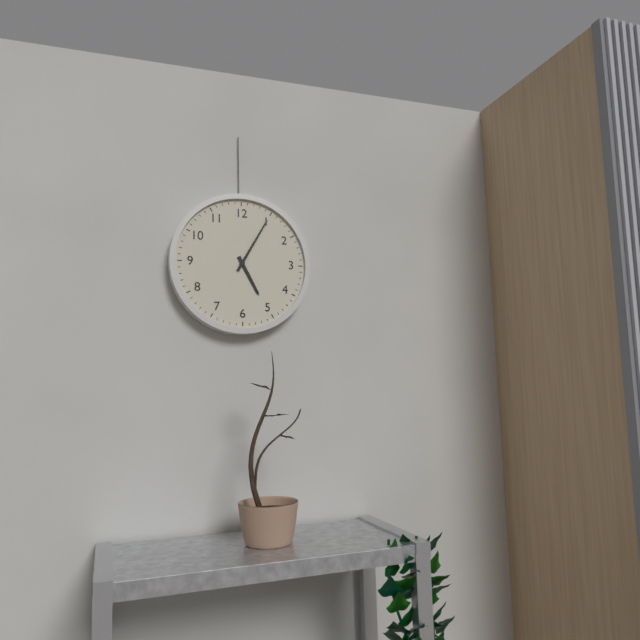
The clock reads 5.05
